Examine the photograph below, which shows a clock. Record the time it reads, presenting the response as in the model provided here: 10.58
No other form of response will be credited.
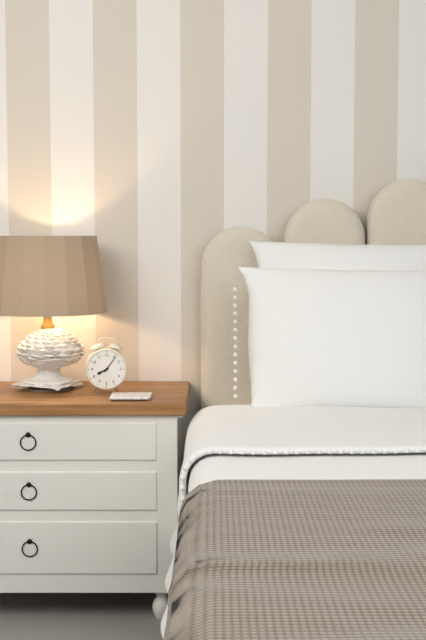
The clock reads 8.06
